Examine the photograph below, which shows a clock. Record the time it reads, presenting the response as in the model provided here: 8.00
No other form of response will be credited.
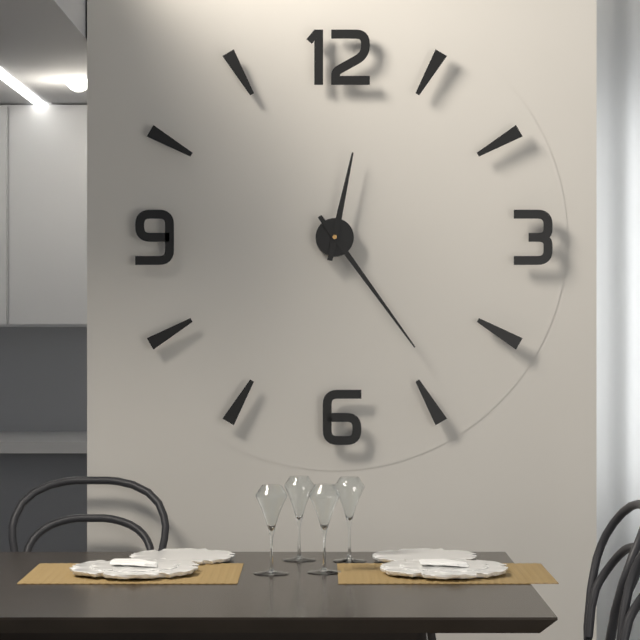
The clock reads 12.24
